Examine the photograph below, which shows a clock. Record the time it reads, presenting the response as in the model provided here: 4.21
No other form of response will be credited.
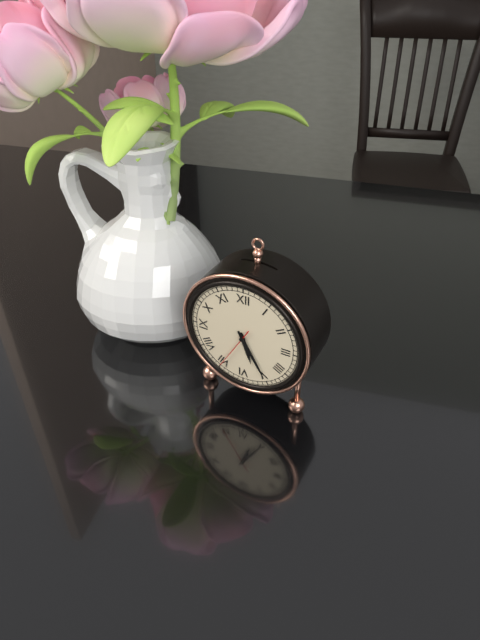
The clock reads 5.25
